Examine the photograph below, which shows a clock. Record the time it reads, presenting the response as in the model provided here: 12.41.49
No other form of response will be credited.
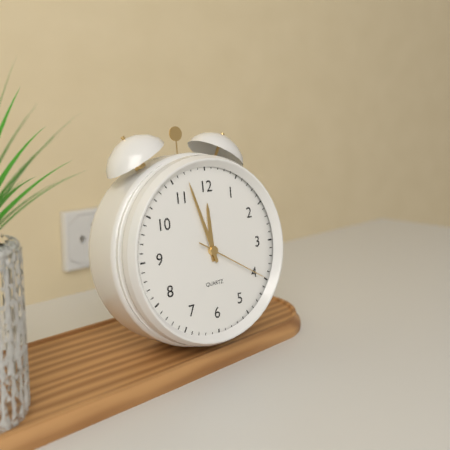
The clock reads 11.57.20
